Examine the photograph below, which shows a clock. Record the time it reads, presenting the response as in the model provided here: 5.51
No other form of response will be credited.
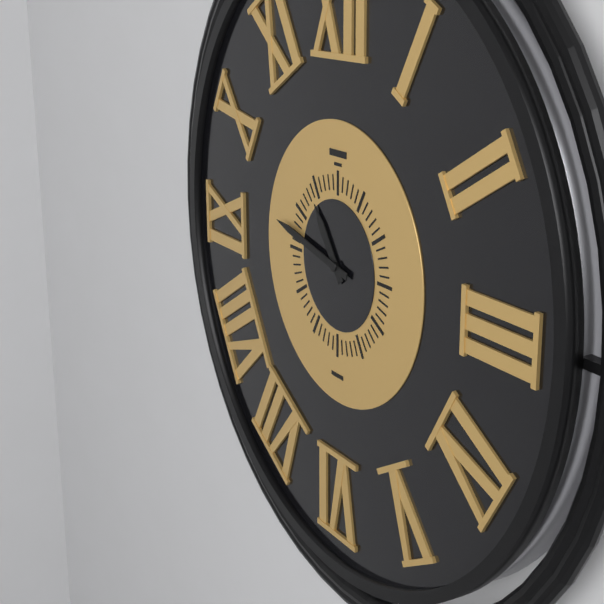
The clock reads 10.47
